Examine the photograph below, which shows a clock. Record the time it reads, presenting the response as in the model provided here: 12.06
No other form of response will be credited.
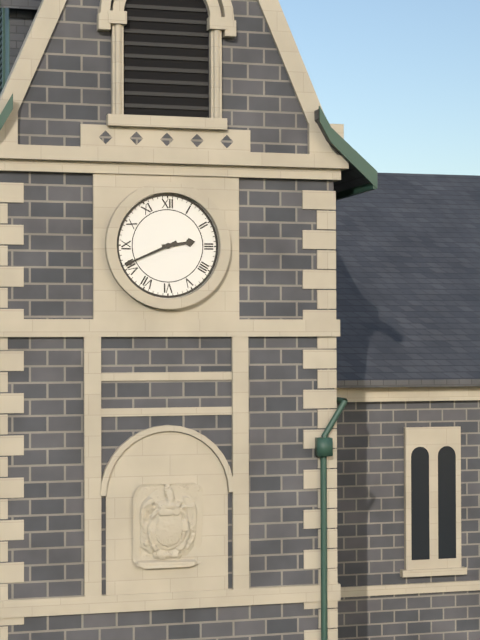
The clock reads 2.41
